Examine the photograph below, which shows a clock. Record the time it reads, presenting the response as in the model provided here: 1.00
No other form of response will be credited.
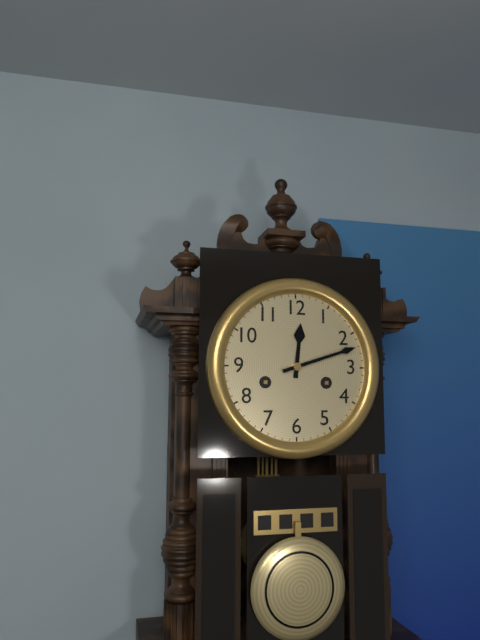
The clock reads 12.12
